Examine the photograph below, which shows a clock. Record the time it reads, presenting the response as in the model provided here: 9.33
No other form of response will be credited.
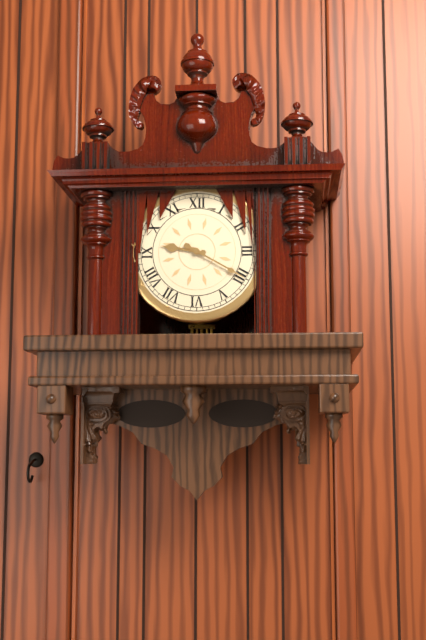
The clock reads 9.20
